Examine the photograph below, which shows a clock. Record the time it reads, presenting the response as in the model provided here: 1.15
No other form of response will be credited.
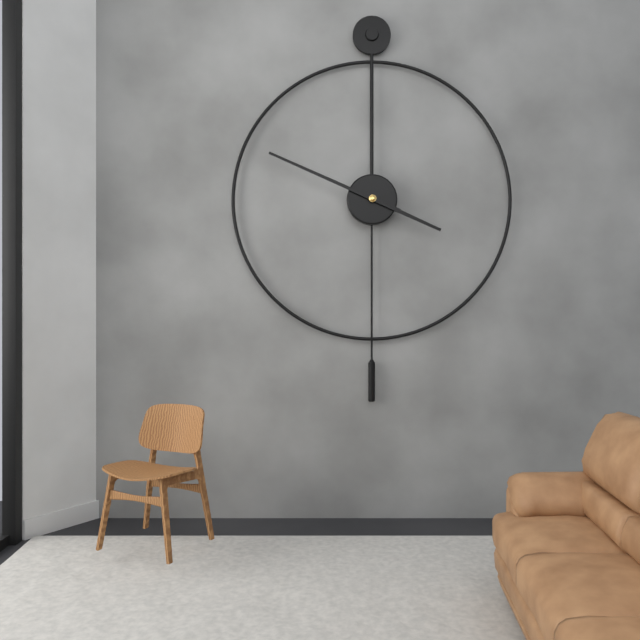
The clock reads 3.49
